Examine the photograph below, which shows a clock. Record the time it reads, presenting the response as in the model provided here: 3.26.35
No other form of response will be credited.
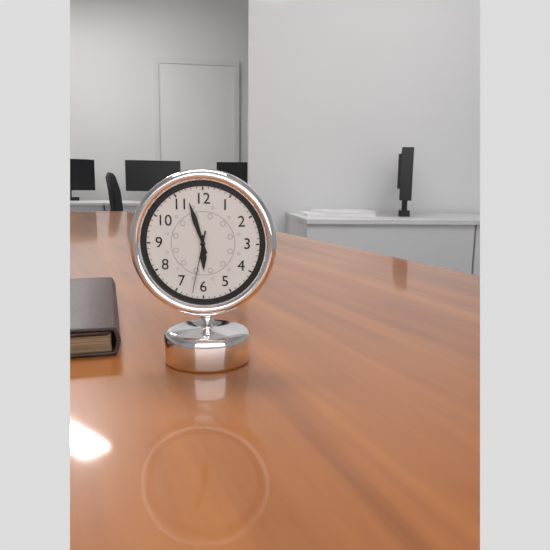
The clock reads 5.57.32
